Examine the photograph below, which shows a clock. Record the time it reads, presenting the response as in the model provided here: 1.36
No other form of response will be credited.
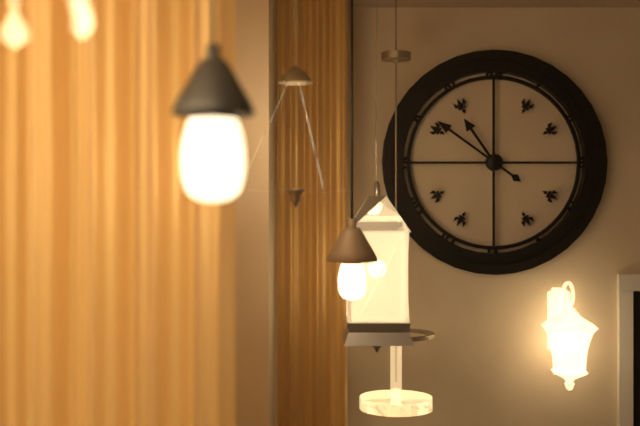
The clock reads 10.51
